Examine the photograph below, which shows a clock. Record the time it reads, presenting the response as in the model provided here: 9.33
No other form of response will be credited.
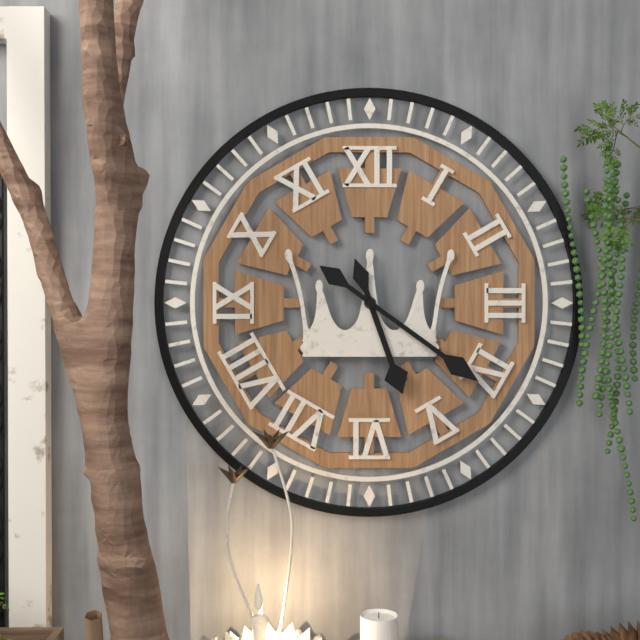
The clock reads 5.21
